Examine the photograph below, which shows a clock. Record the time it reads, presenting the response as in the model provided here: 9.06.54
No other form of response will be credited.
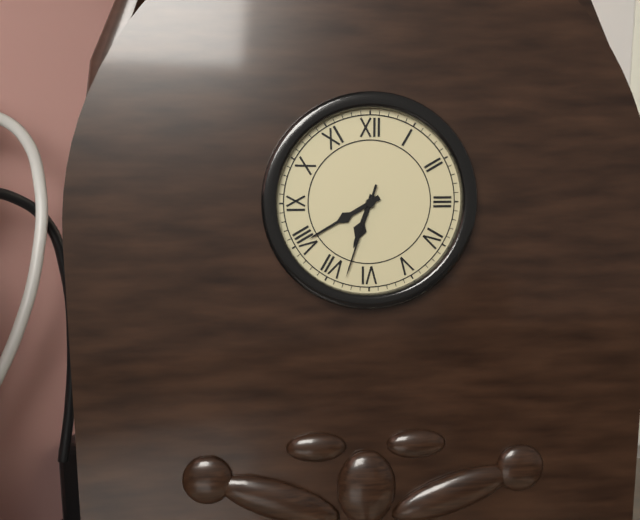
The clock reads 6.40.33
